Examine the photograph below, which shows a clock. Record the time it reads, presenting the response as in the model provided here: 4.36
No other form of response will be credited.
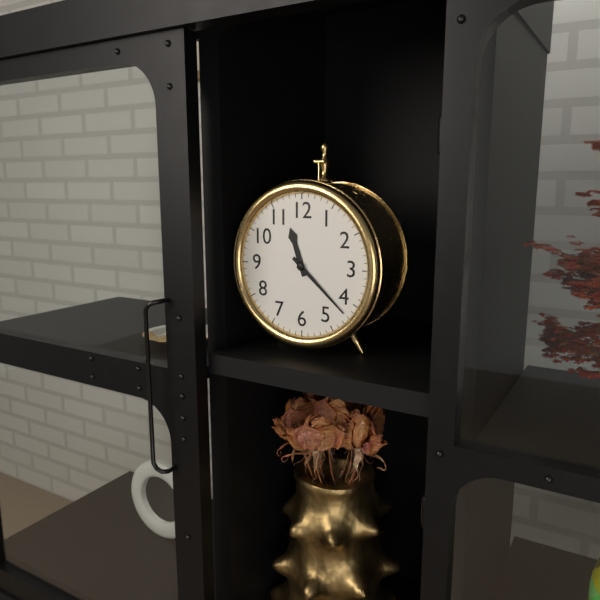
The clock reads 11.22
